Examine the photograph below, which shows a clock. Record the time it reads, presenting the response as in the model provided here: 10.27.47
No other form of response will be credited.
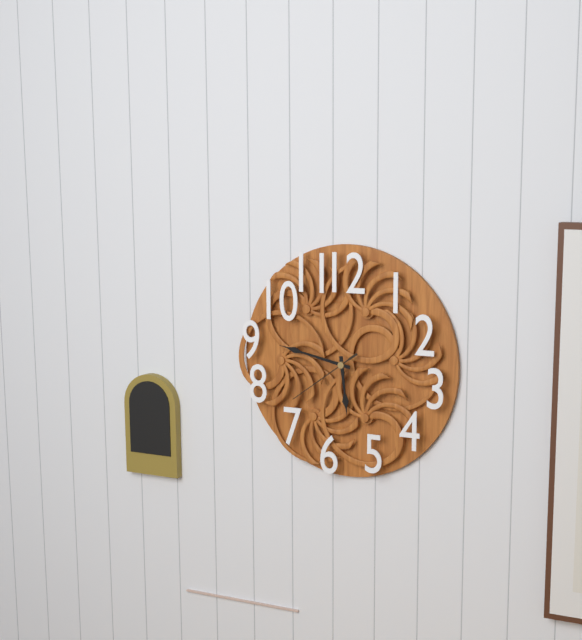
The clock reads 5.47.39
